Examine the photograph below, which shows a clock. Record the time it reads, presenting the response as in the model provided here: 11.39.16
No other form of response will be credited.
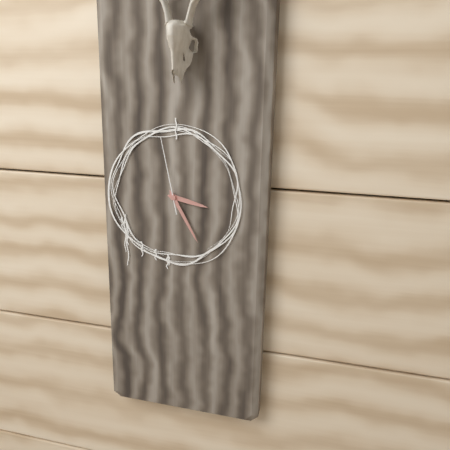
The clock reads 3.25.58
